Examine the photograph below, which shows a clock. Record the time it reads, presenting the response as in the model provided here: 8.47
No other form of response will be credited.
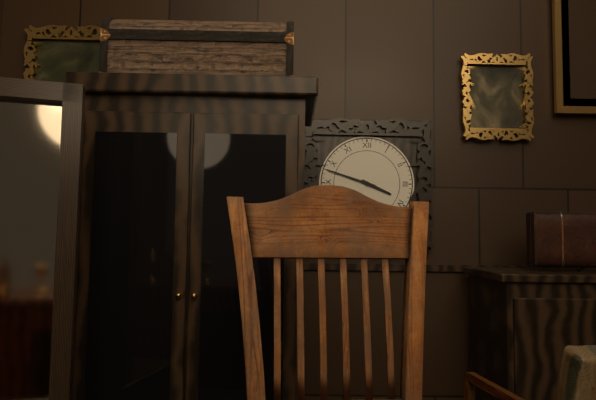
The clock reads 3.48
